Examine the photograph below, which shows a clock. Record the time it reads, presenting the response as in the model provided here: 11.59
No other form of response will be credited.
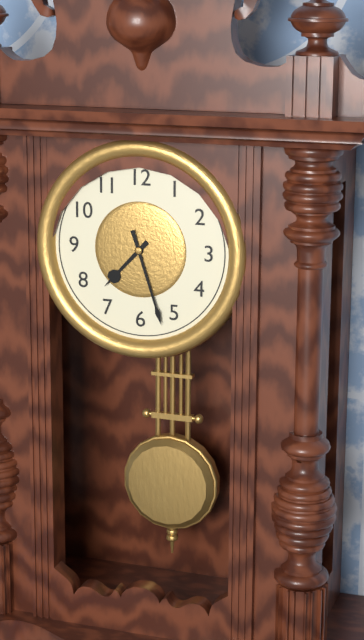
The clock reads 7.27
